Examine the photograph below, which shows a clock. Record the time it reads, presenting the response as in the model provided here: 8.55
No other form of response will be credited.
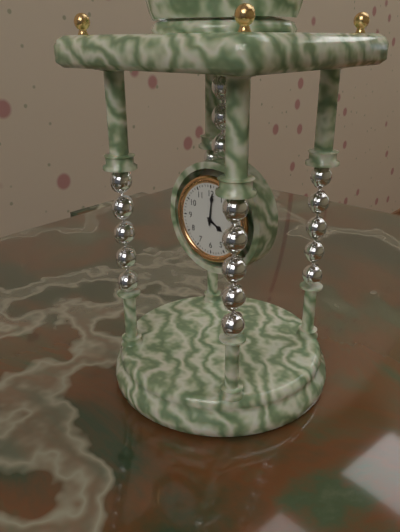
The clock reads 4.01
